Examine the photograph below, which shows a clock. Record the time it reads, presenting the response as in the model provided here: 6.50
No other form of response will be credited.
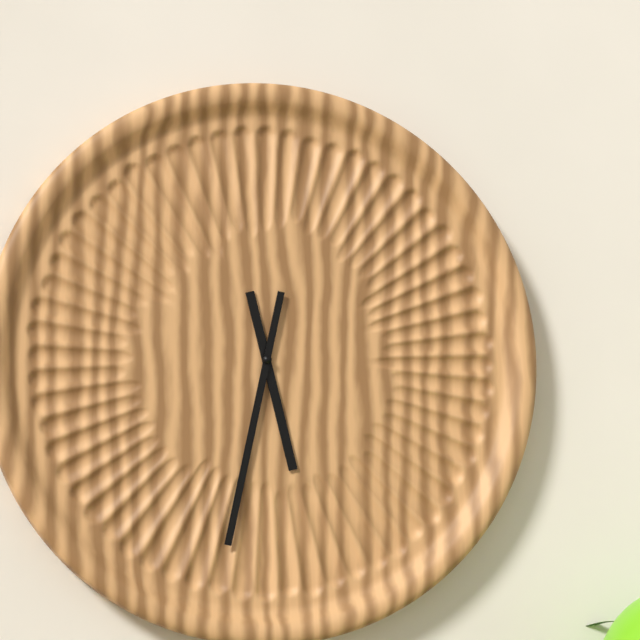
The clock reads 5.32
